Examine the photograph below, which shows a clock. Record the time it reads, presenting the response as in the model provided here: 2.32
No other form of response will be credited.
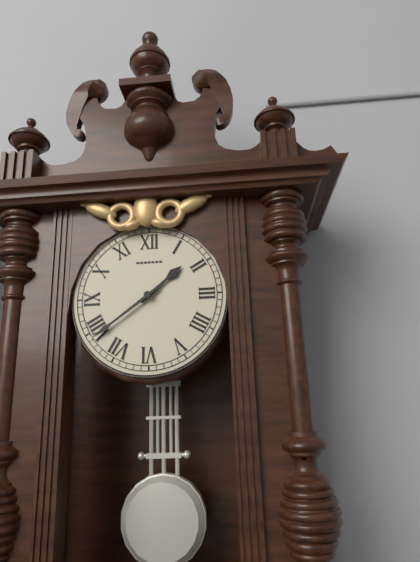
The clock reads 1.39
